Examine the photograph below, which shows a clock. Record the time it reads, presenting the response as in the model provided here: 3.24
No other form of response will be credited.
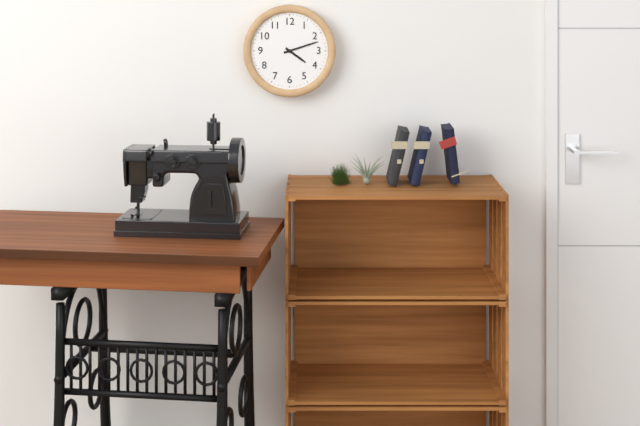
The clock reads 4.12
